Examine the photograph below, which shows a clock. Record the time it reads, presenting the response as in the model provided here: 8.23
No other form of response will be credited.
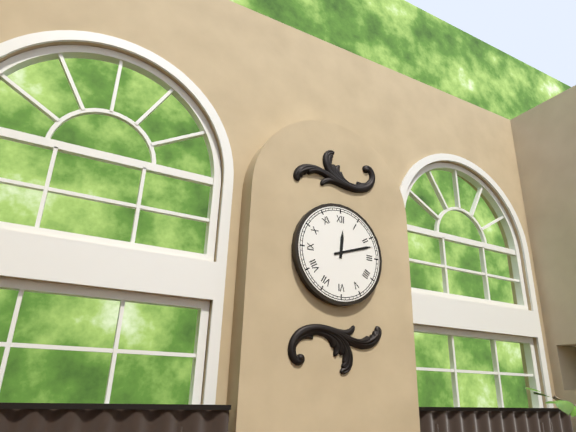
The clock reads 12.12
